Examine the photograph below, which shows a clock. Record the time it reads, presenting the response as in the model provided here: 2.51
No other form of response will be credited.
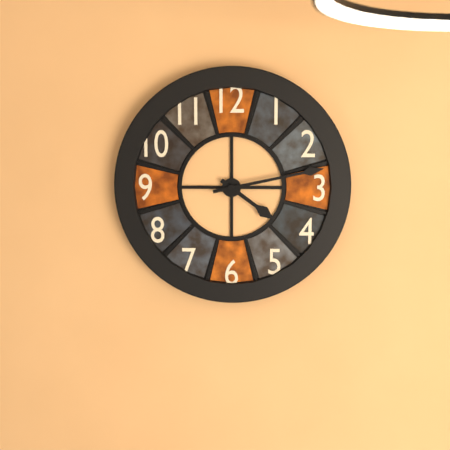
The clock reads 4.13
